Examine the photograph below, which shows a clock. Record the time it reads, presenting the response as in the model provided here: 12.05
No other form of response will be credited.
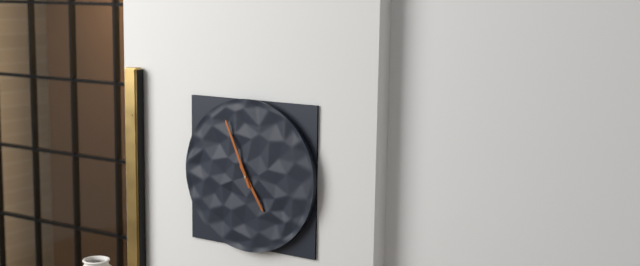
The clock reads 4.56
